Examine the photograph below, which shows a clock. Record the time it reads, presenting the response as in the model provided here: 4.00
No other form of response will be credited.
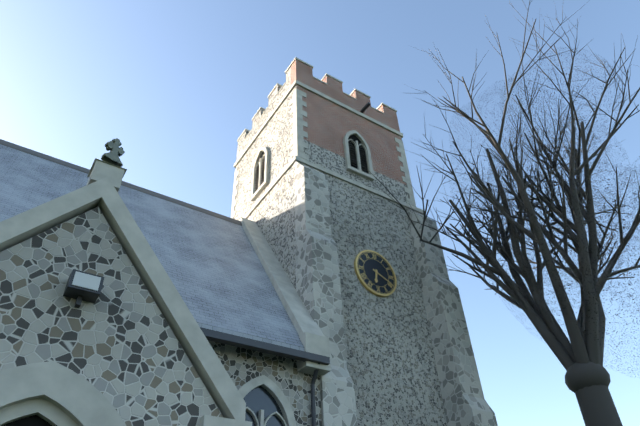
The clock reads 6.19
